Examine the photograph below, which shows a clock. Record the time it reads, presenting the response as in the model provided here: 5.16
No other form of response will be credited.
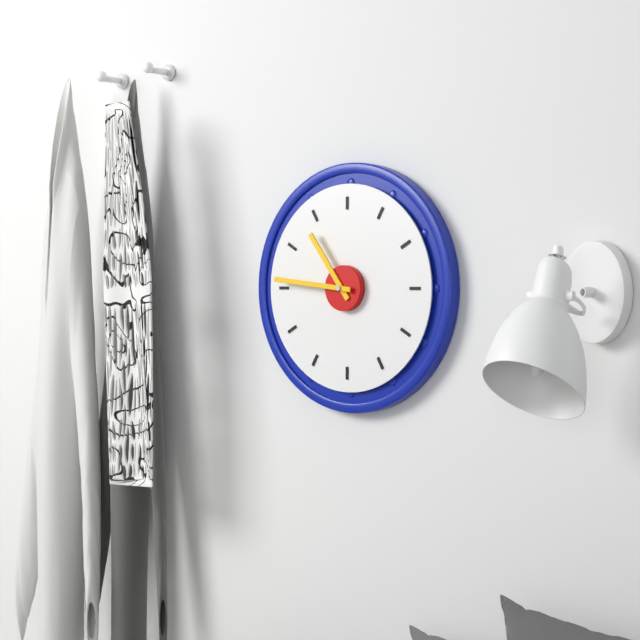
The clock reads 10.46
